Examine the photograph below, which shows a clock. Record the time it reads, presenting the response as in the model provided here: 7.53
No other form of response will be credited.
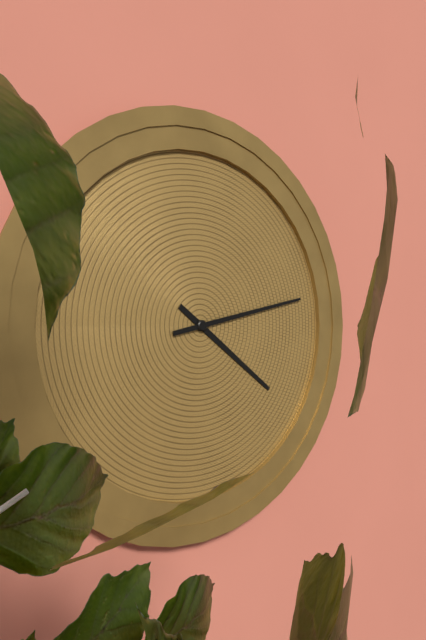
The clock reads 4.13
